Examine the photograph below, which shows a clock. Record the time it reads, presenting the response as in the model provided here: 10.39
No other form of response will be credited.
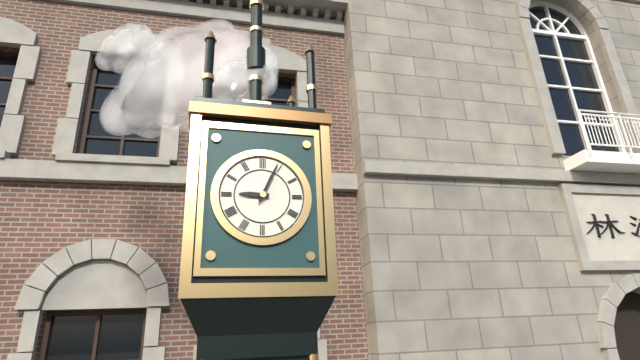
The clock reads 9.04
